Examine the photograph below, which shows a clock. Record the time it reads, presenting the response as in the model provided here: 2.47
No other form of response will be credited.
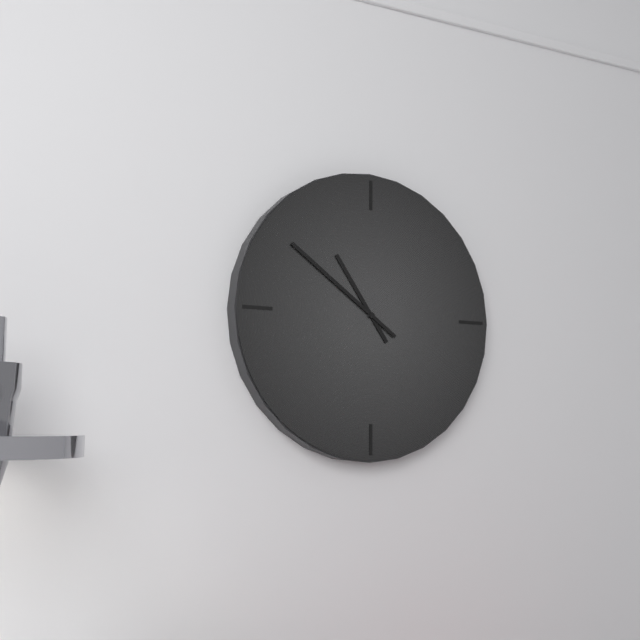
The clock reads 10.51
